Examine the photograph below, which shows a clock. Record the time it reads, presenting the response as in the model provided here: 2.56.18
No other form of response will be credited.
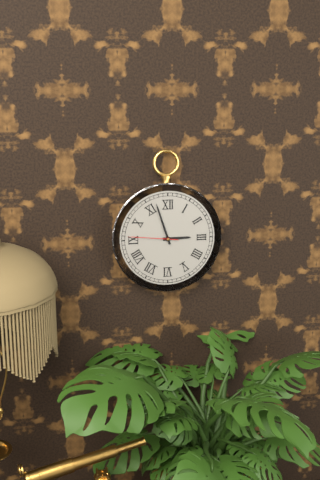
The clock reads 2.57.46
